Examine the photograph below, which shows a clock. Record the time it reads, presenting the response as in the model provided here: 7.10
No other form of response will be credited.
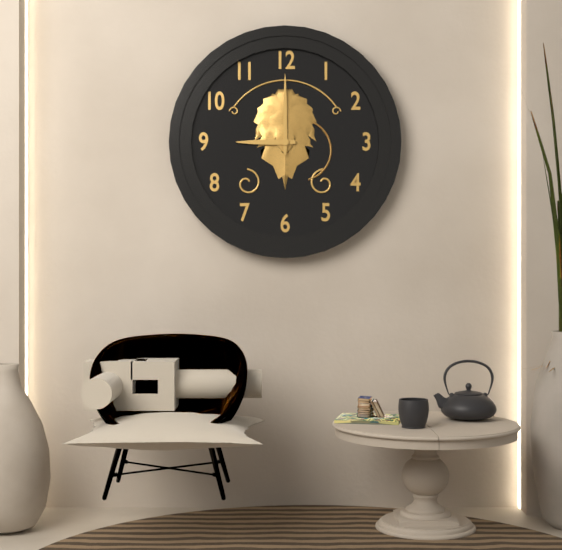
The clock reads 9.00
